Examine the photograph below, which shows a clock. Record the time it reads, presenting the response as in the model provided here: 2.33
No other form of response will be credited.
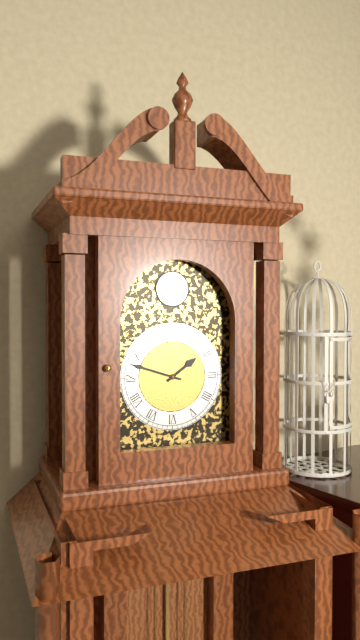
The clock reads 1.48
